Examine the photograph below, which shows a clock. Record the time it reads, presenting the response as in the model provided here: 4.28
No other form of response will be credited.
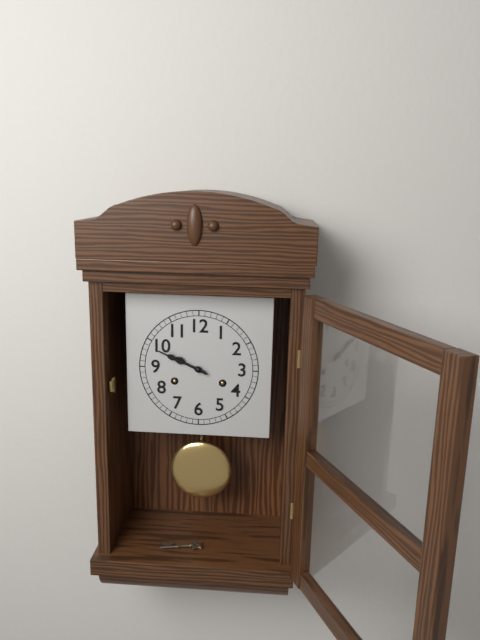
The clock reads 9.49
